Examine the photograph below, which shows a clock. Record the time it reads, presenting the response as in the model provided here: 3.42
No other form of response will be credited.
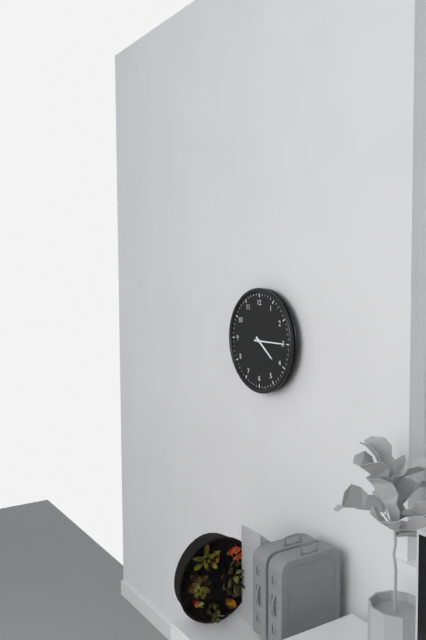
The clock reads 4.15
